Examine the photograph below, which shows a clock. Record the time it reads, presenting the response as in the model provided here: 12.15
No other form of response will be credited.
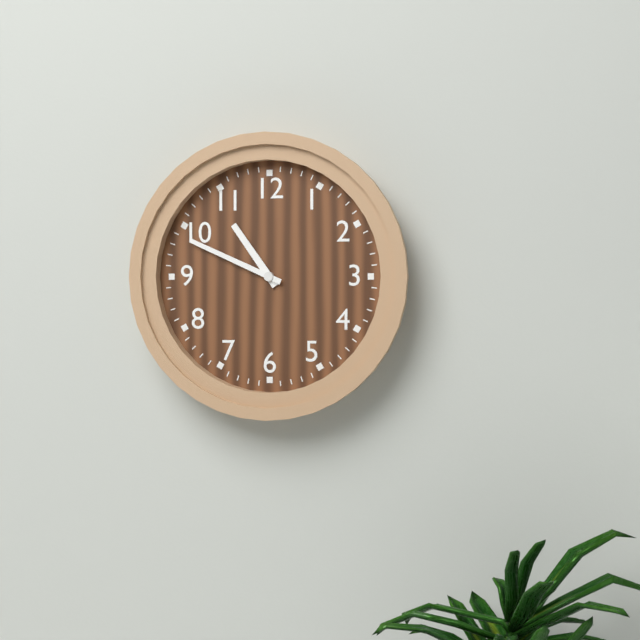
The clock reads 10.49
